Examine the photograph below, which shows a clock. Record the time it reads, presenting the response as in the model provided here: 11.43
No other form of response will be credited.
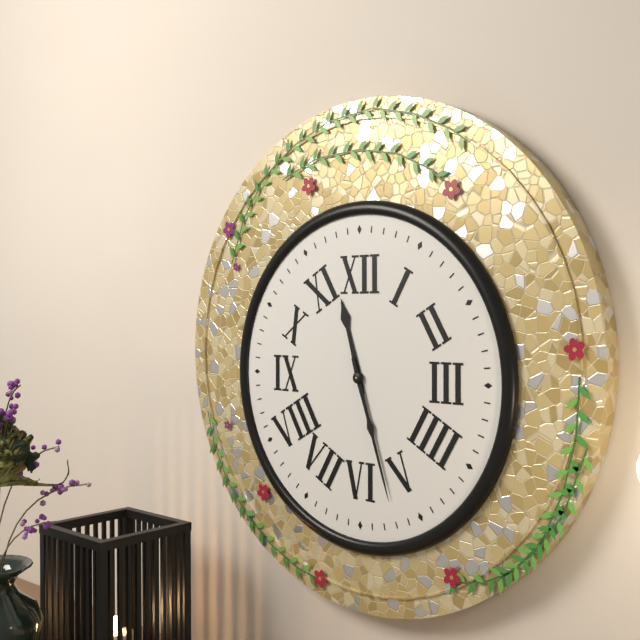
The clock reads 11.27
